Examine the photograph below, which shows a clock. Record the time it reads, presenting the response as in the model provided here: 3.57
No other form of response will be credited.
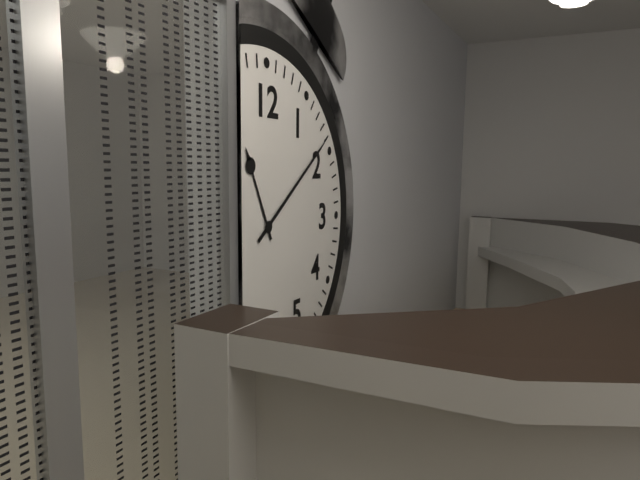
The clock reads 11.09
